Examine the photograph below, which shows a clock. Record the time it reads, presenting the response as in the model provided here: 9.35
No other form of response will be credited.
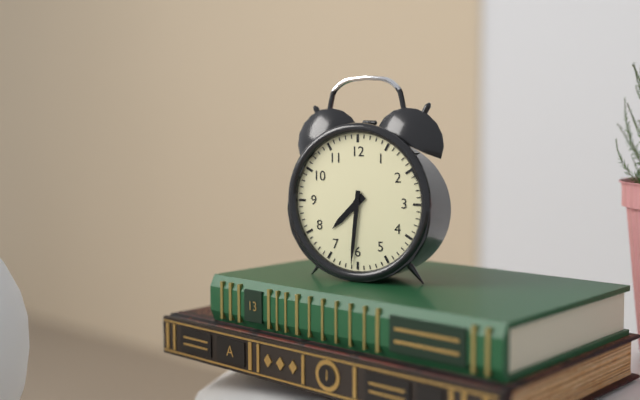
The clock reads 7.31
